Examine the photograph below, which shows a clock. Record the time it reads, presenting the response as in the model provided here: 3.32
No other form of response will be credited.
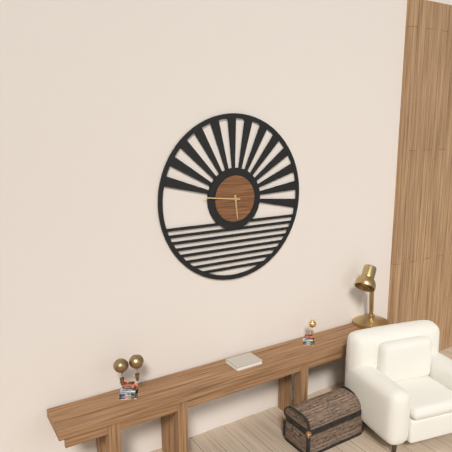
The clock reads 5.46
